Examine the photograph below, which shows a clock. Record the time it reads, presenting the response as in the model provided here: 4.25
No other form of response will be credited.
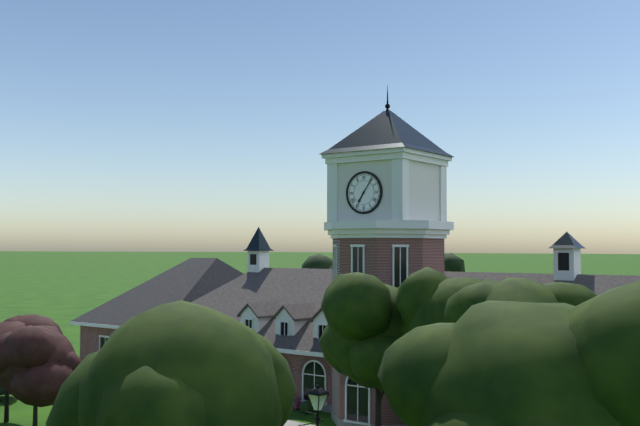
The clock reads 7.06
